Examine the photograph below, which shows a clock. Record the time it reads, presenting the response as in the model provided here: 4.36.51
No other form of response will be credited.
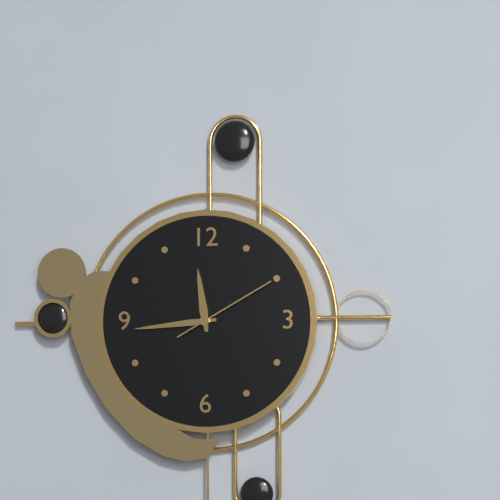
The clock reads 11.44.10
